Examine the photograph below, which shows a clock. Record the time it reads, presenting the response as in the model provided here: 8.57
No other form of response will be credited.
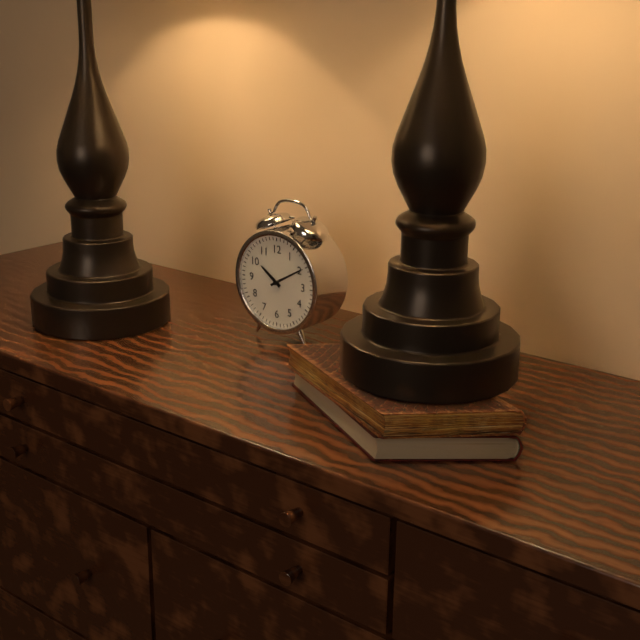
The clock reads 10.10
